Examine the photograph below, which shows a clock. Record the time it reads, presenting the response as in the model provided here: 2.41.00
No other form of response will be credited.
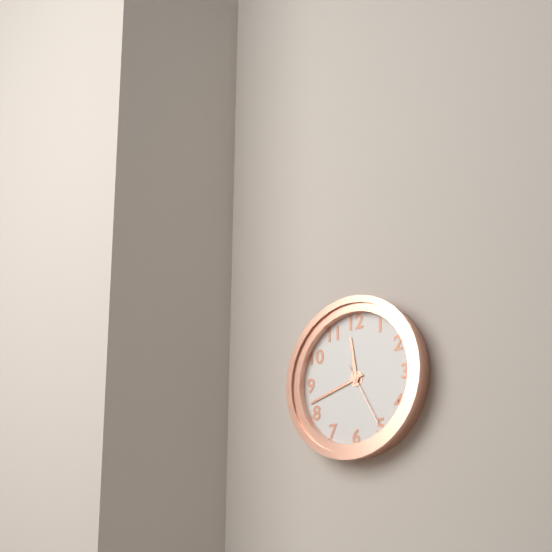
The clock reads 11.42.25
